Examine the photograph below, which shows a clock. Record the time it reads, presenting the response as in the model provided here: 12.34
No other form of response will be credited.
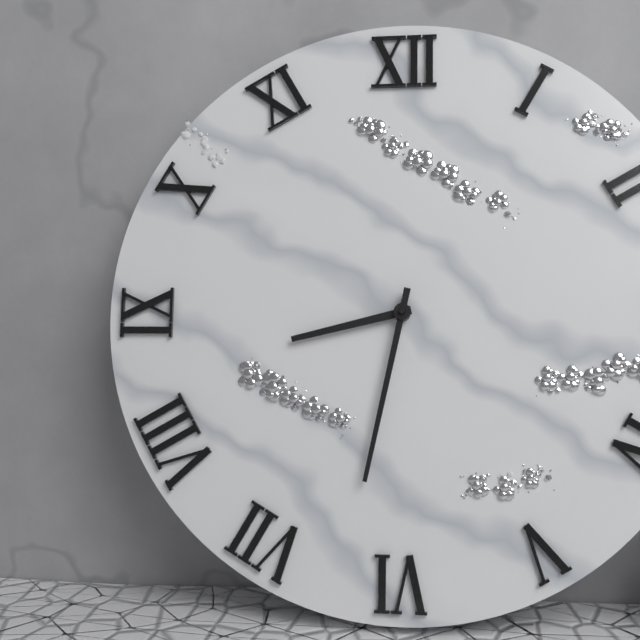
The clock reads 8.32
